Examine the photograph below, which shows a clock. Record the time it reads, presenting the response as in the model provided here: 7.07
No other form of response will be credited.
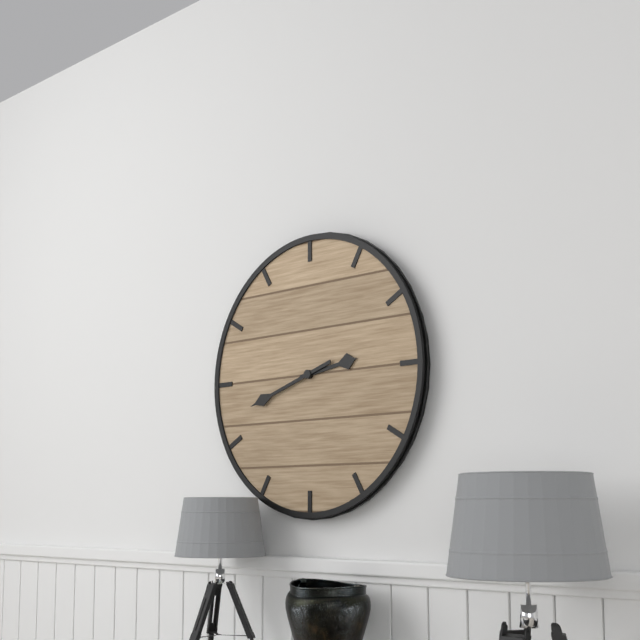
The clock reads 2.42
